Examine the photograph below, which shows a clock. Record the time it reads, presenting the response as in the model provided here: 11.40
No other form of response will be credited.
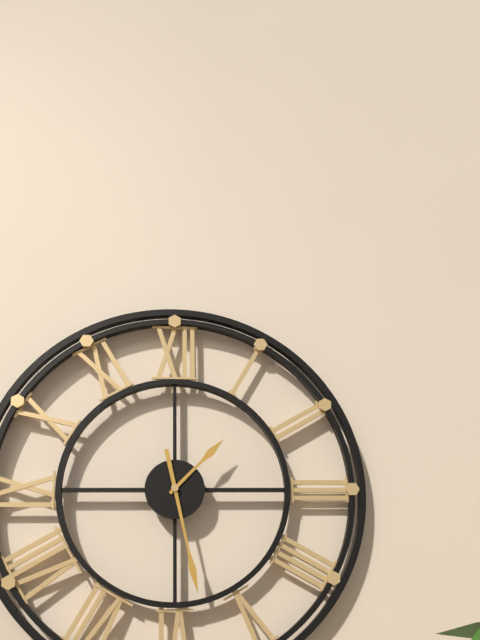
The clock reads 1.28
